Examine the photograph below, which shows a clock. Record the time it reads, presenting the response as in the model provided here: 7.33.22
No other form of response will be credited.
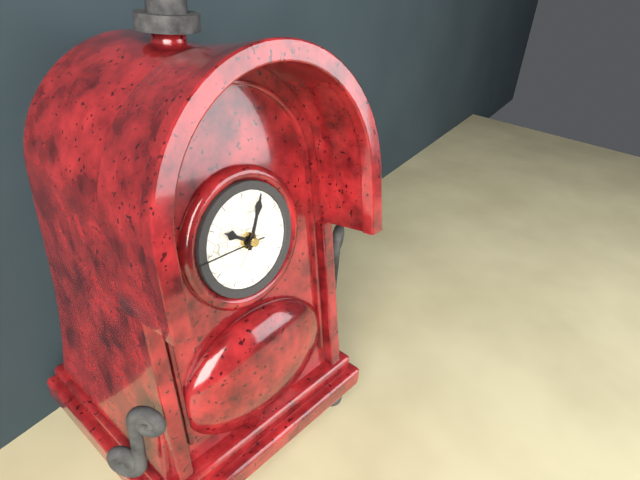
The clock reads 10.04.45
